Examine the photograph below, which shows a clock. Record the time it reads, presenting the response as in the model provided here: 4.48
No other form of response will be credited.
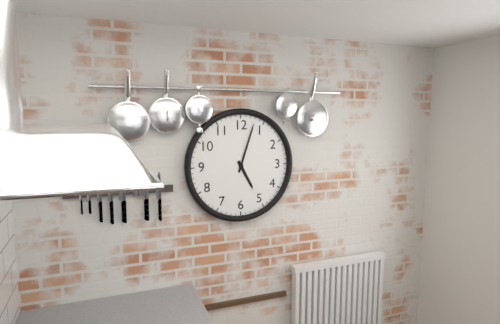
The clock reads 5.03
